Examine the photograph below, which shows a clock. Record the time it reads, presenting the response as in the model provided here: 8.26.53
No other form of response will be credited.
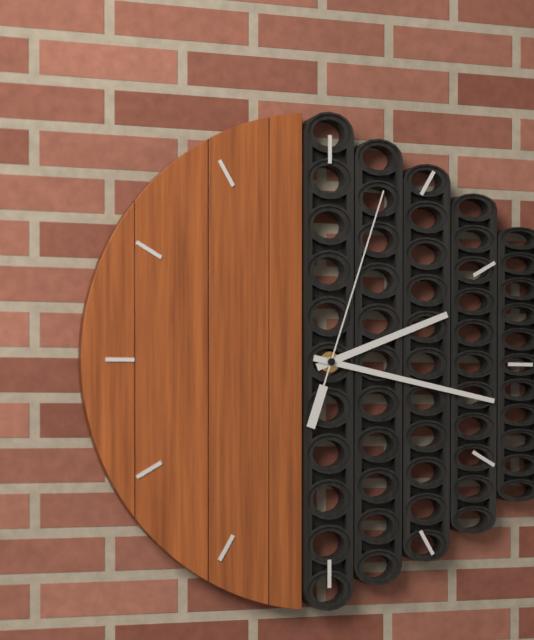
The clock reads 2.17.03
